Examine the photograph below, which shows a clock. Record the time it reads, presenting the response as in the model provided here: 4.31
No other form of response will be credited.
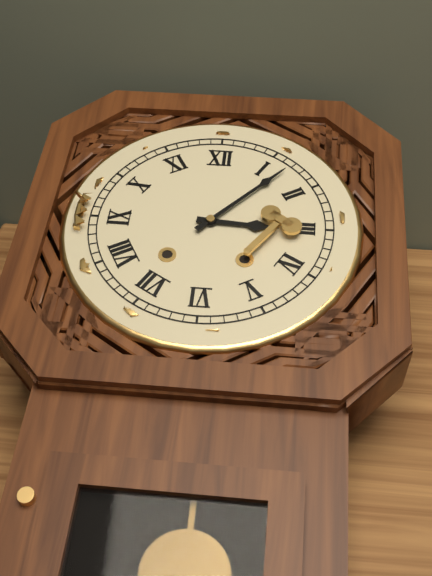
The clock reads 3.07
